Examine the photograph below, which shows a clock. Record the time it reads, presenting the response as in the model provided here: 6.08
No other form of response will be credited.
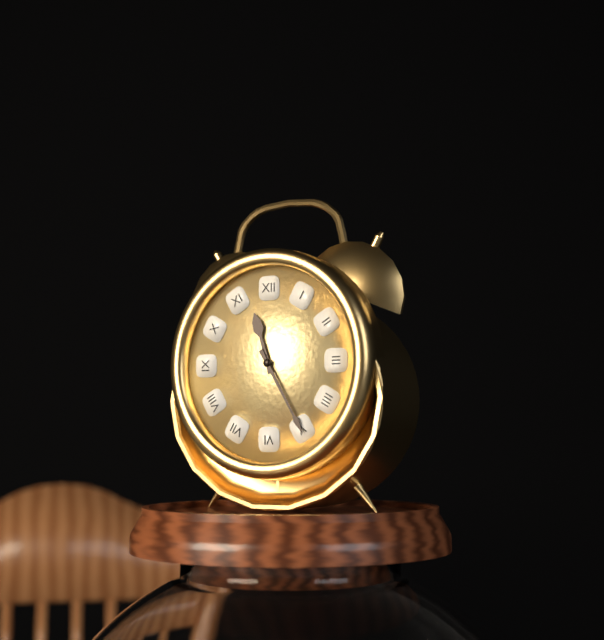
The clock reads 11.25
